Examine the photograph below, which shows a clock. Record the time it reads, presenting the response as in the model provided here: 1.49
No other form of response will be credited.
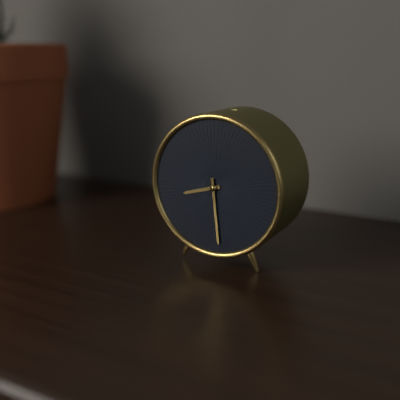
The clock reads 8.29
